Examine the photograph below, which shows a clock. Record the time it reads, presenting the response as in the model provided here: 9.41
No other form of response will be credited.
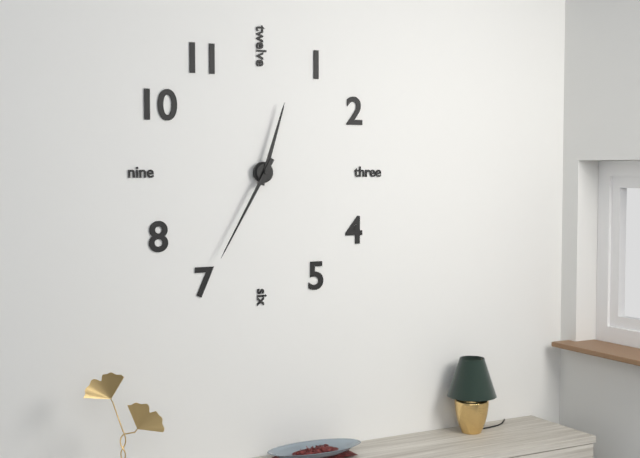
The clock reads 12.35
